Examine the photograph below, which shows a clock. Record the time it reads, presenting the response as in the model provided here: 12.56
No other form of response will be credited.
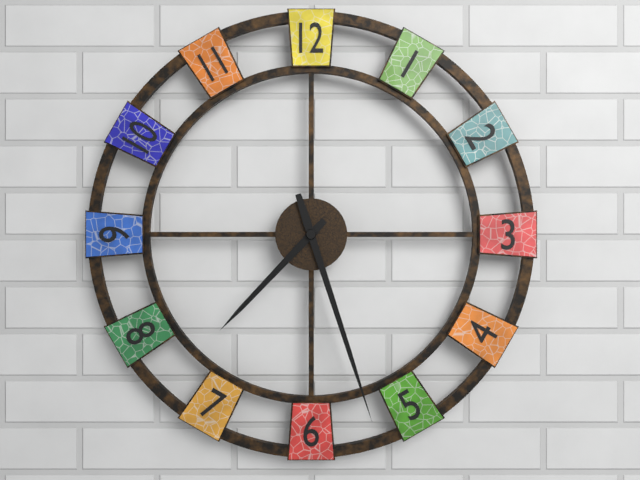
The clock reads 7.27
